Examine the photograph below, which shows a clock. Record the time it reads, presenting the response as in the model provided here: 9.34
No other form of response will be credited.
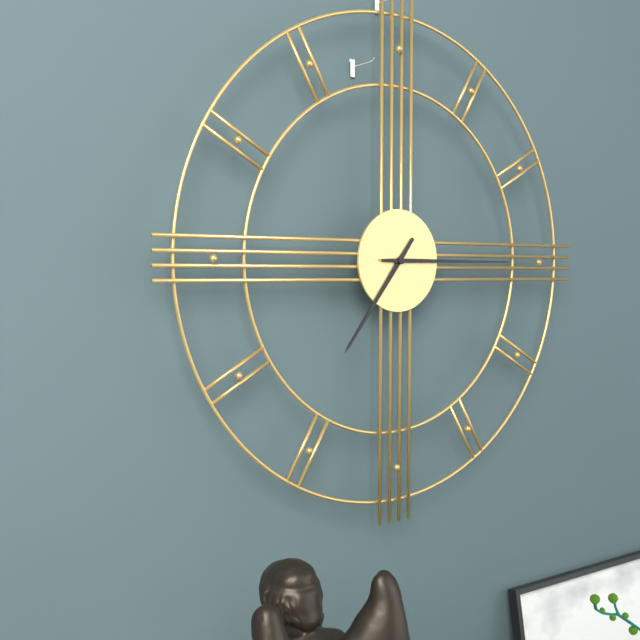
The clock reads 7.15
